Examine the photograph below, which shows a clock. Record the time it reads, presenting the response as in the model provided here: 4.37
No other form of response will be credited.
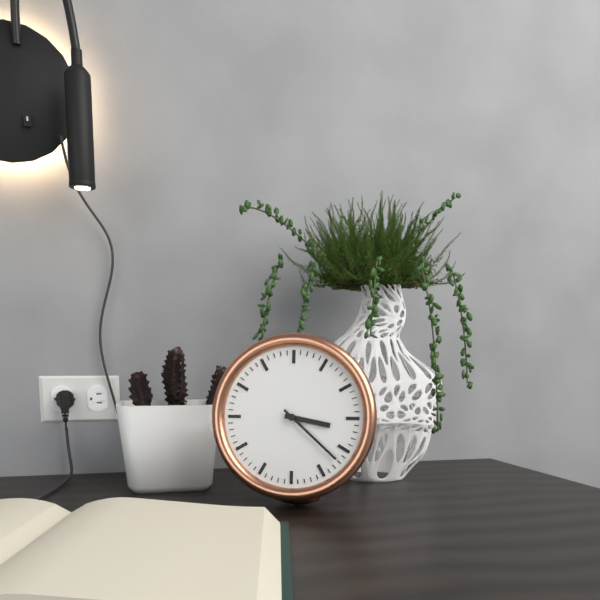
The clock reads 3.22
